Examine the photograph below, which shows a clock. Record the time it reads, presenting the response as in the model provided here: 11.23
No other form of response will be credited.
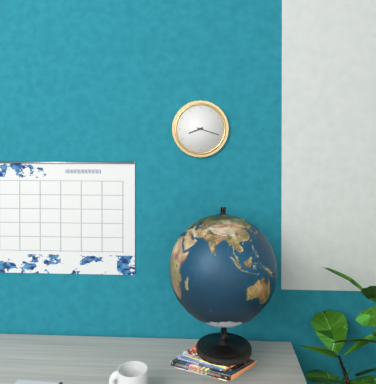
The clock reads 8.18
